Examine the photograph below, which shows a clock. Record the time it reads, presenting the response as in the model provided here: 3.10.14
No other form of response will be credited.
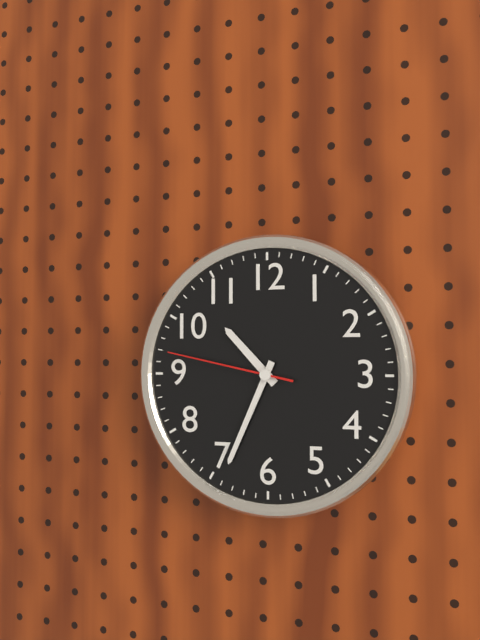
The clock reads 10.34.47
